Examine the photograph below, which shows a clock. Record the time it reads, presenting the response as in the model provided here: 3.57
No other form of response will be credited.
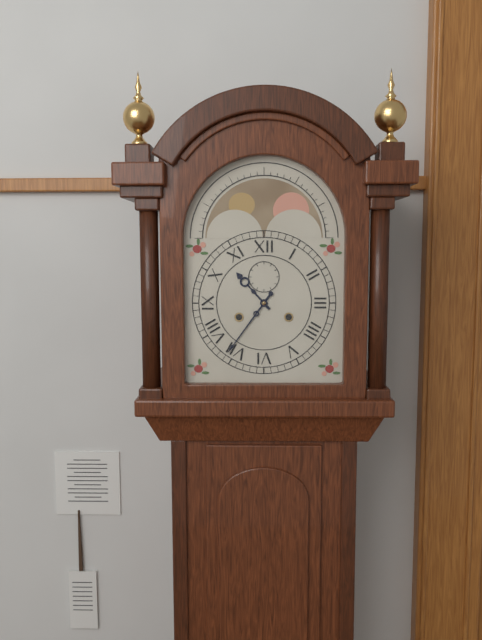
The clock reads 10.36
